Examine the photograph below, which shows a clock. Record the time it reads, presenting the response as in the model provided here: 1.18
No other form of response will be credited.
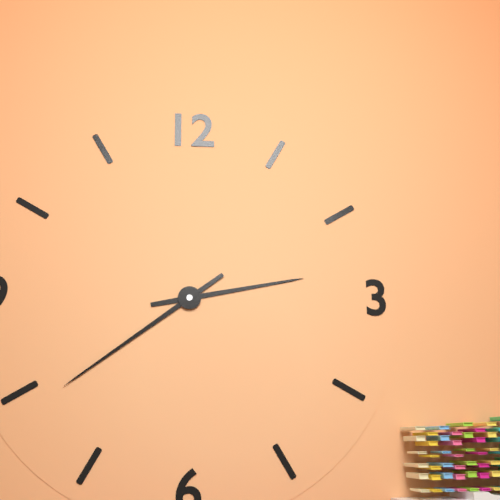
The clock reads 2.39
